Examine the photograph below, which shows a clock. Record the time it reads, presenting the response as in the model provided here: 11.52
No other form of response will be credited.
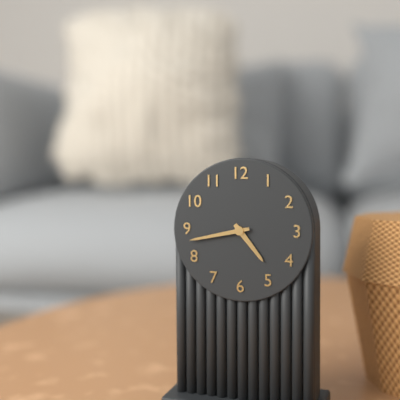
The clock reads 4.43
